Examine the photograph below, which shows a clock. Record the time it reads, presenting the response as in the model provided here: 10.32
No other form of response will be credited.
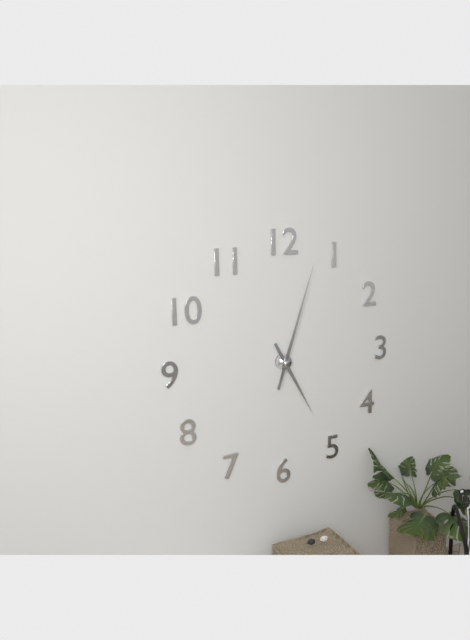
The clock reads 5.03
